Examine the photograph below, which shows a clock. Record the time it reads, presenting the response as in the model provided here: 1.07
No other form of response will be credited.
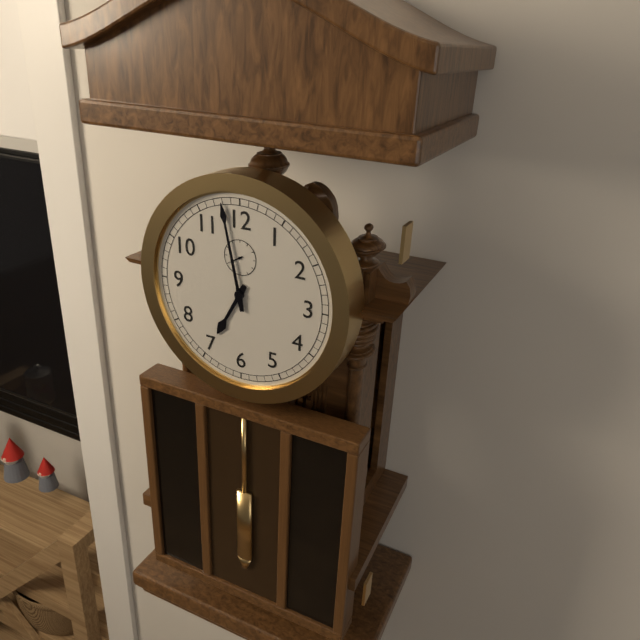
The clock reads 6.58
